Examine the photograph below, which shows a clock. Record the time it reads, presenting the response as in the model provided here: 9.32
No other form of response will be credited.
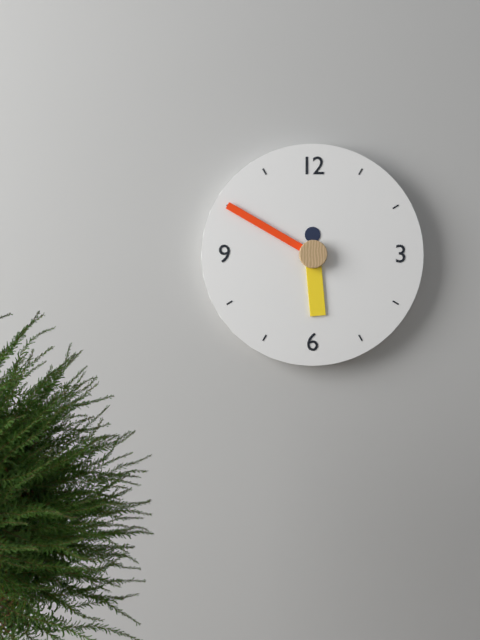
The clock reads 5.50
